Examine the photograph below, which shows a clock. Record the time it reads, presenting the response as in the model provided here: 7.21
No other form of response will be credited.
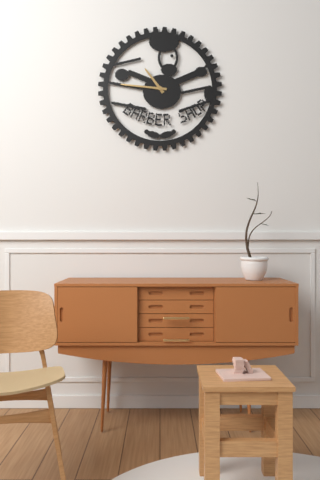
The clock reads 10.46
